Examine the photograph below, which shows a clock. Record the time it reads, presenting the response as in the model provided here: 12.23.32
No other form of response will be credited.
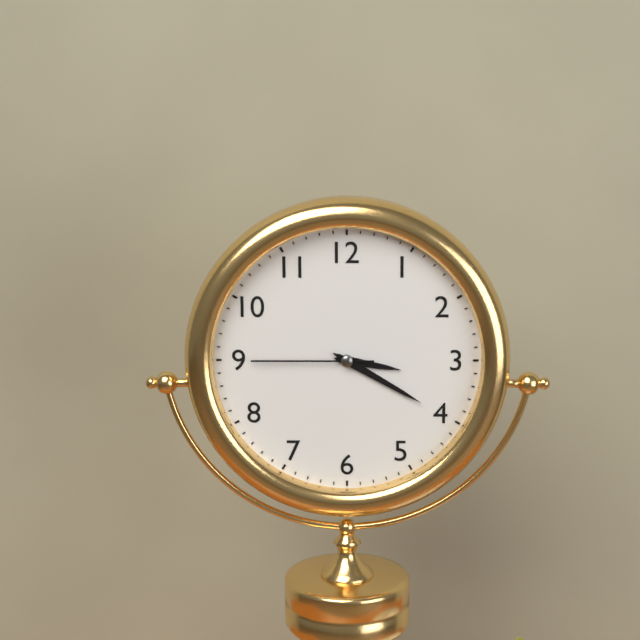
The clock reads 3.20.45
